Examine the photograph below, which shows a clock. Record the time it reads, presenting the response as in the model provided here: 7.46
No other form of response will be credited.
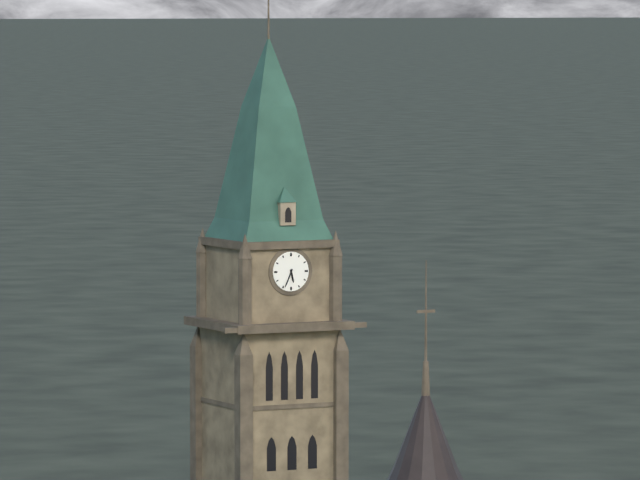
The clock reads 5.34
